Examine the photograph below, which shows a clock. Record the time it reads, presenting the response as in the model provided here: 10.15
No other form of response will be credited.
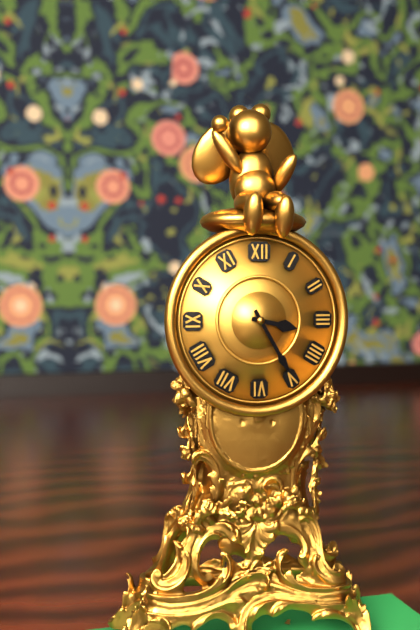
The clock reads 3.25
